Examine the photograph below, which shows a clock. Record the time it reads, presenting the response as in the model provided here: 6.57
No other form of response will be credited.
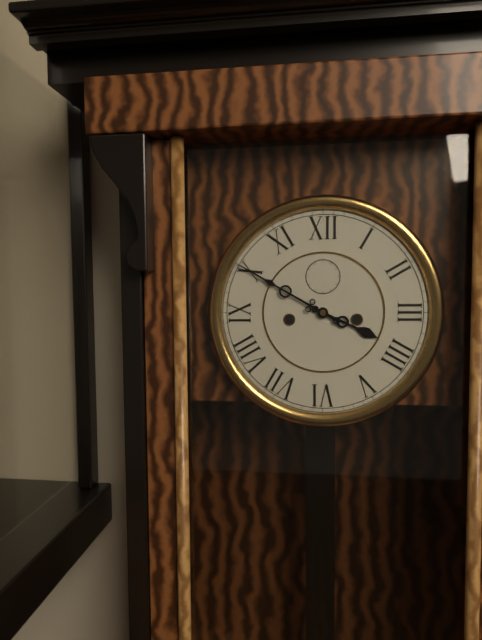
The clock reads 3.50
